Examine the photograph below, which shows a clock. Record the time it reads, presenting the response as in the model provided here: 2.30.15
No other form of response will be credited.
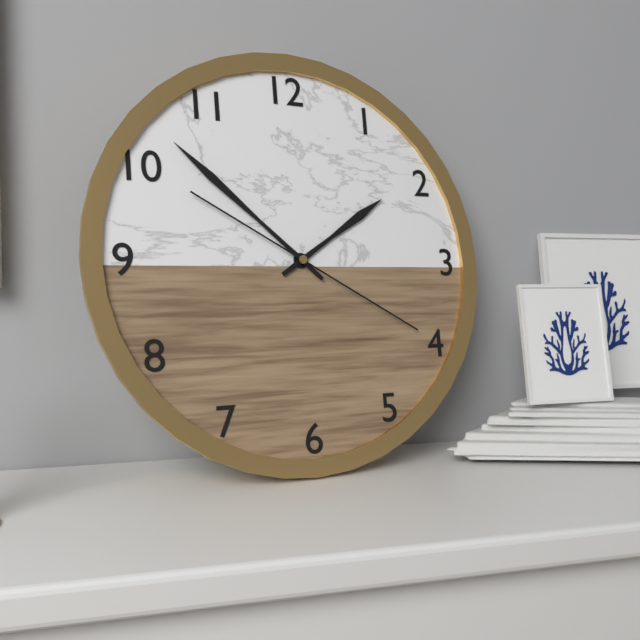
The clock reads 1.52.20
